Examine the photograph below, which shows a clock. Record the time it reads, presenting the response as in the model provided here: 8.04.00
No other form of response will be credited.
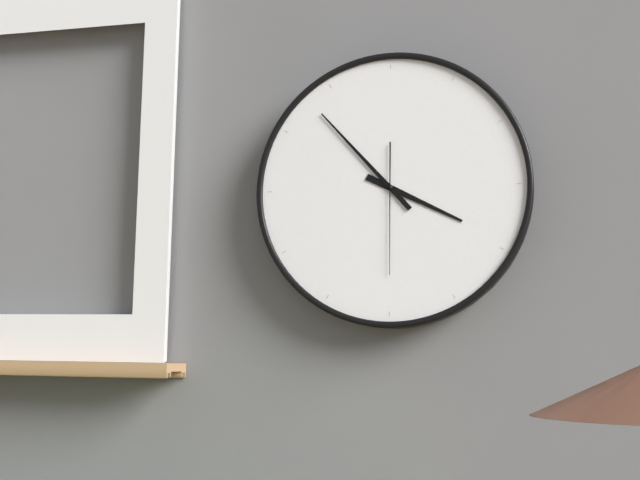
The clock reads 3.53.30
